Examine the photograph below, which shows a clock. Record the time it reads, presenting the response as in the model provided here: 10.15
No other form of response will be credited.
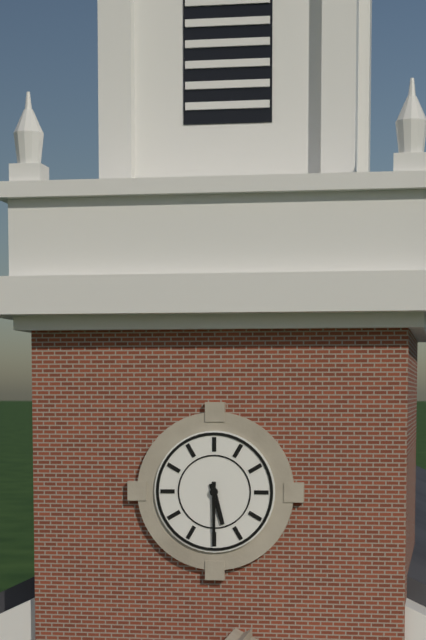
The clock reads 5.30
